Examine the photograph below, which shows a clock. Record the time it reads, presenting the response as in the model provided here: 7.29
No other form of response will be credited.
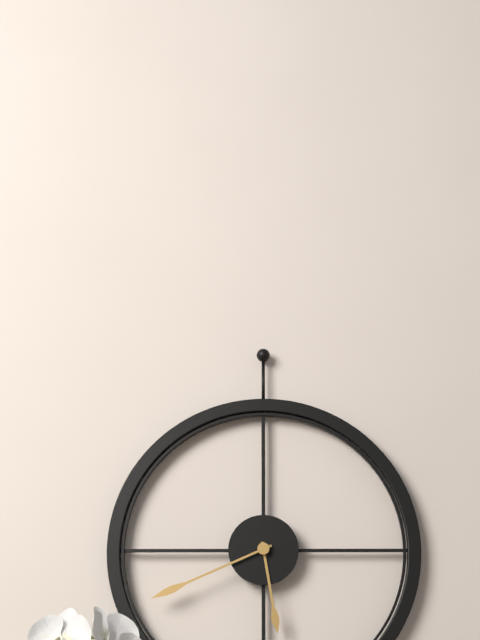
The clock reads 5.41
